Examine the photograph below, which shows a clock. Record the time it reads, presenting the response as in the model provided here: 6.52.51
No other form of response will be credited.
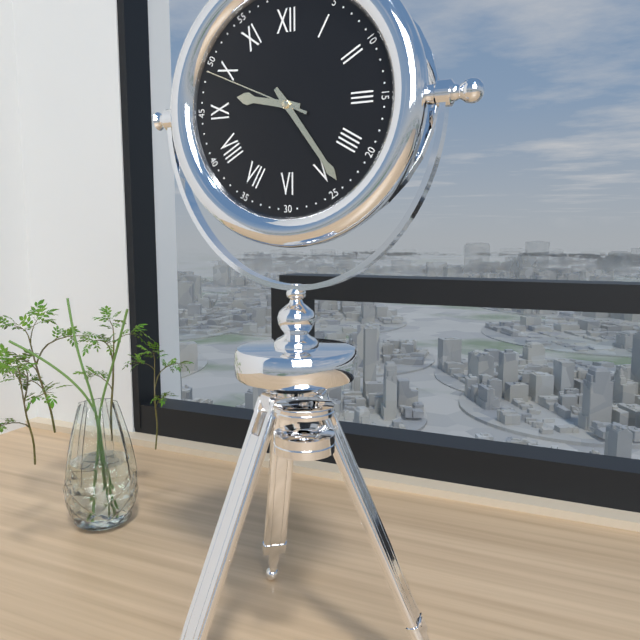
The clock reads 9.24.49
